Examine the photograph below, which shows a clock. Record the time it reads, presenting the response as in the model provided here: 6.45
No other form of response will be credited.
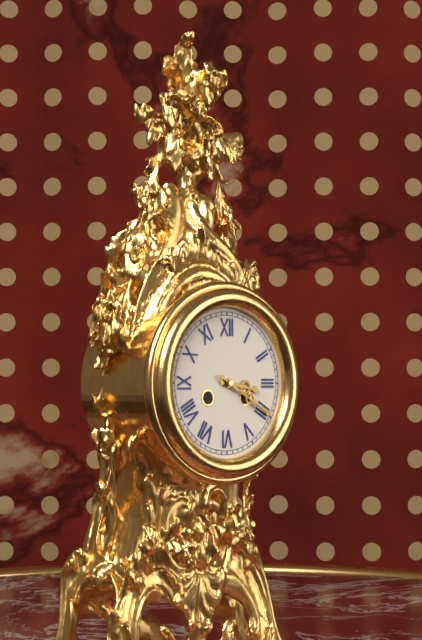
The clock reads 3.20
